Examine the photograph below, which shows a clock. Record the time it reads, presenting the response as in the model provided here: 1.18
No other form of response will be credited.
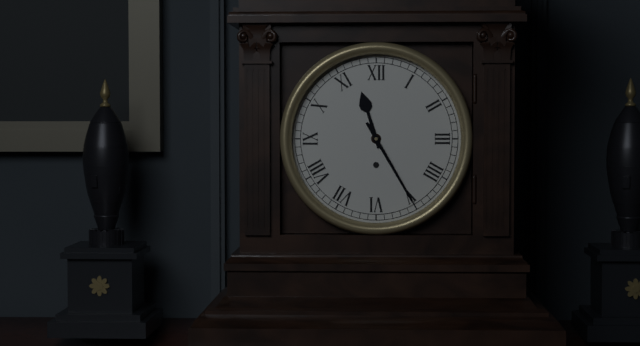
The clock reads 11.25
